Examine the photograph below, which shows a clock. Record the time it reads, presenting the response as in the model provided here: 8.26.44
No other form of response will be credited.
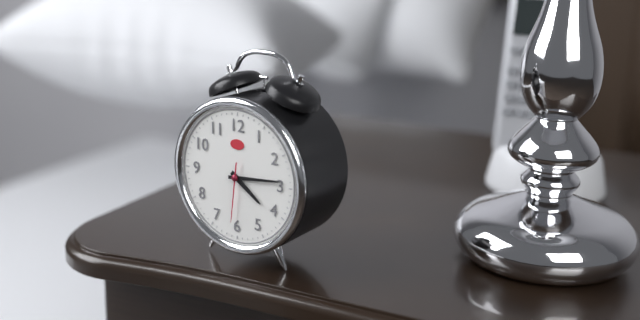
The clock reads 4.14.31
